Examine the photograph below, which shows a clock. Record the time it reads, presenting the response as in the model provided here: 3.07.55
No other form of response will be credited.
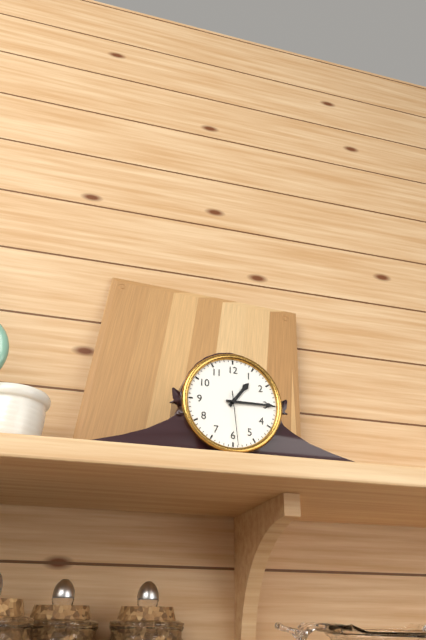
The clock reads 1.15.29
